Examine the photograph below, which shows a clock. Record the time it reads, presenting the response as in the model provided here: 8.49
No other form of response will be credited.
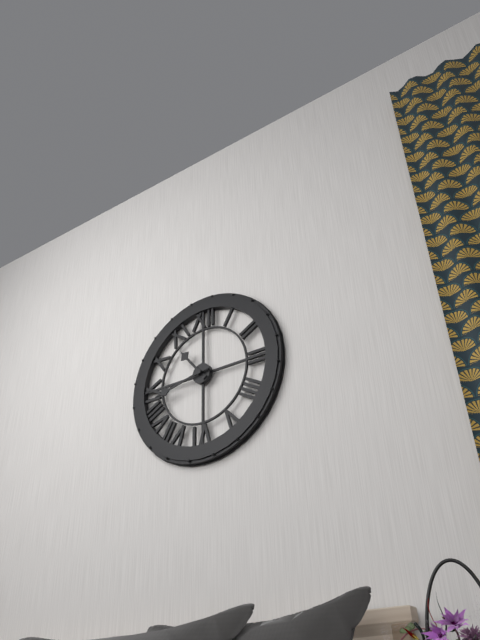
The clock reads 10.43
